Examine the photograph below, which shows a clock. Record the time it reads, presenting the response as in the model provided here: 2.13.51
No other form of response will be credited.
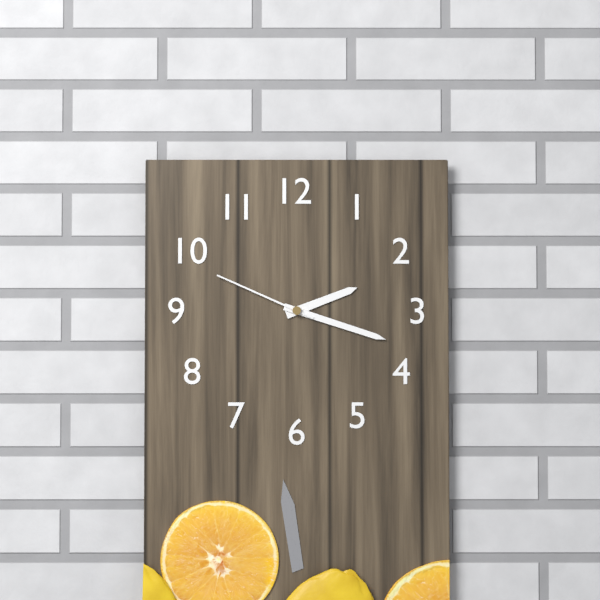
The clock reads 2.18.49
